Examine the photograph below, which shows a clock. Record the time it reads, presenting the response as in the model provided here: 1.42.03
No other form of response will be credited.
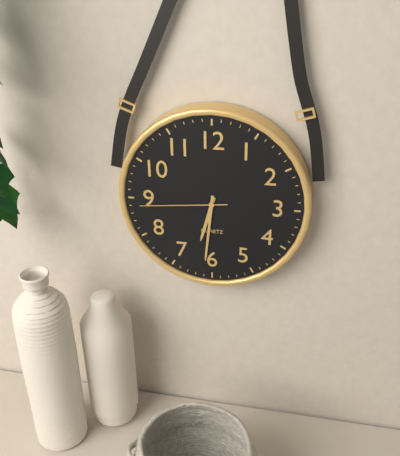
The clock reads 6.31.44
